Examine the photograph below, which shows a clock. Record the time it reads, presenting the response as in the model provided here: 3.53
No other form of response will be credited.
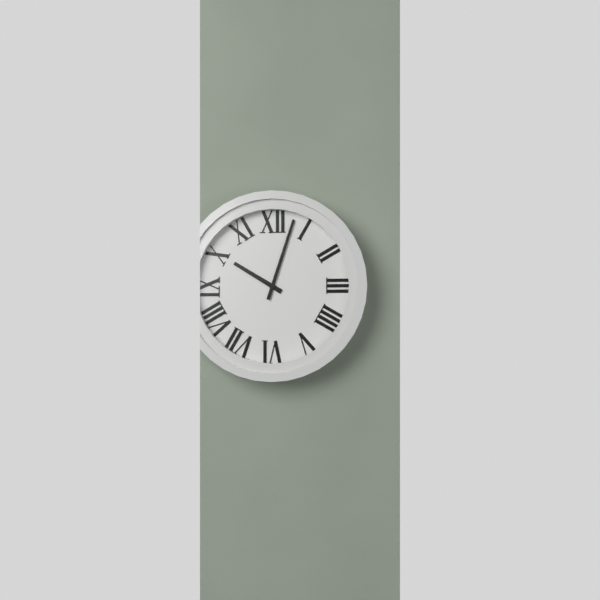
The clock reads 10.03
